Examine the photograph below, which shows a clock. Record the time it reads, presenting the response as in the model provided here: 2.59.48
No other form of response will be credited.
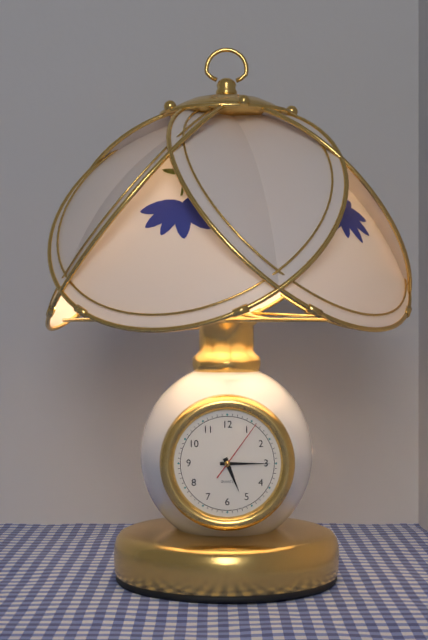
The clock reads 5.15.06
